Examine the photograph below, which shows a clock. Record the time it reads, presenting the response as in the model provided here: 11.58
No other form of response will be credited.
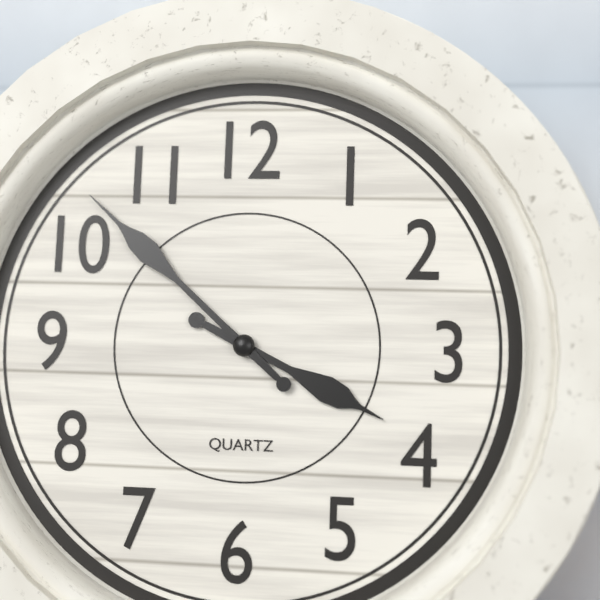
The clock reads 3.52
